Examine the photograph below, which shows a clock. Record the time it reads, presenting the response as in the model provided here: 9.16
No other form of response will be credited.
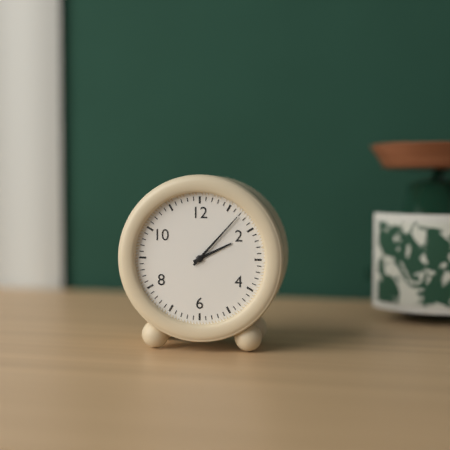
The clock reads 2.07
